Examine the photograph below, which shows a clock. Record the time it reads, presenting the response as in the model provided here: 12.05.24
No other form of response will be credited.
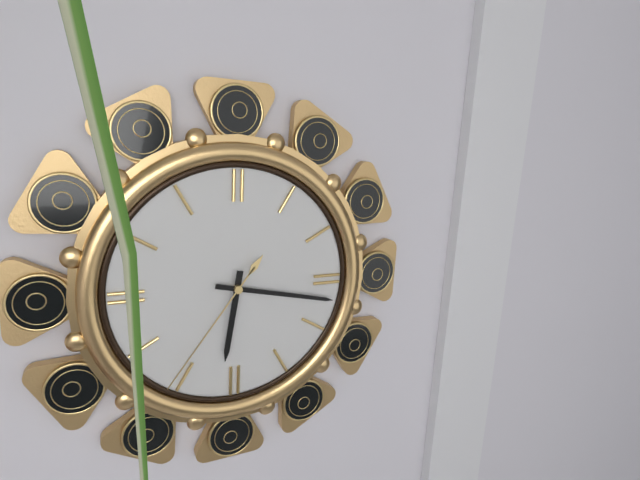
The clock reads 6.17.36
